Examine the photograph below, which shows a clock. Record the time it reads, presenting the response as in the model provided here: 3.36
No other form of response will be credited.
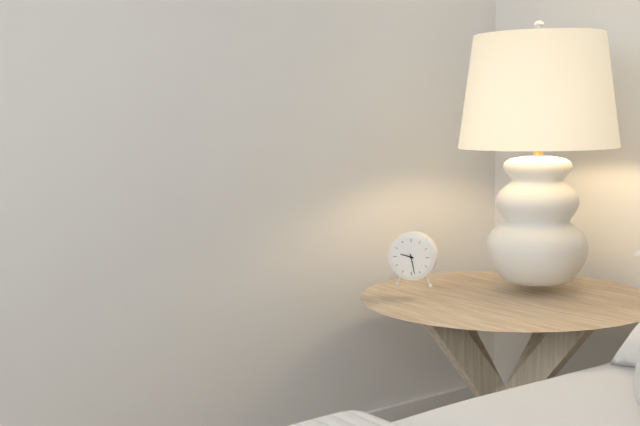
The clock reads 9.28
